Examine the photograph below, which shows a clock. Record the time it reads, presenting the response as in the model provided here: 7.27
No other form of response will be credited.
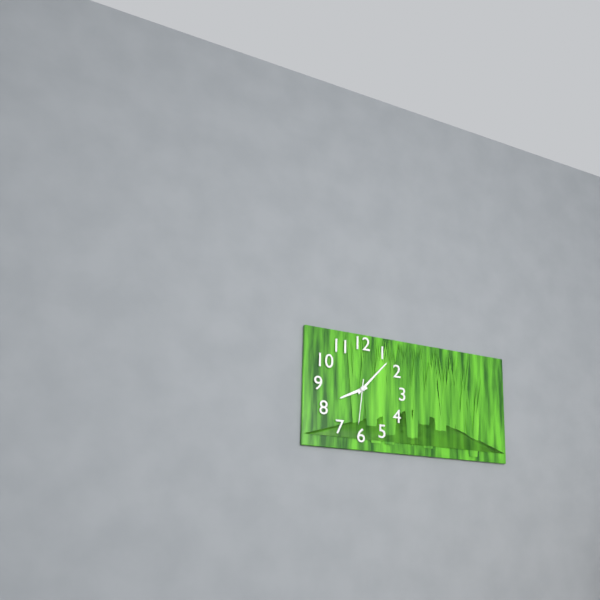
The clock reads 8.07
